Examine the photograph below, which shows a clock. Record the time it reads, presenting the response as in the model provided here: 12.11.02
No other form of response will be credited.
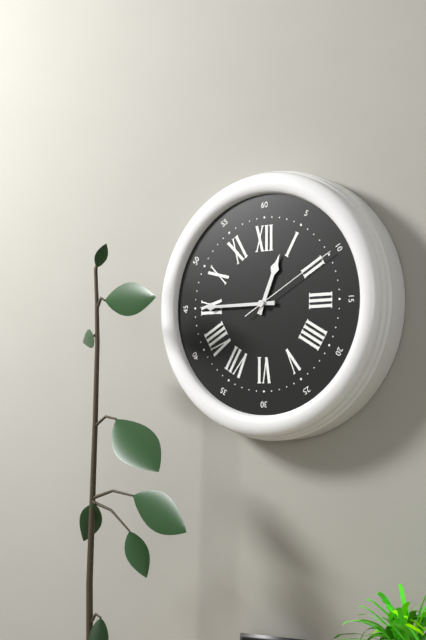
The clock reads 12.45.10
